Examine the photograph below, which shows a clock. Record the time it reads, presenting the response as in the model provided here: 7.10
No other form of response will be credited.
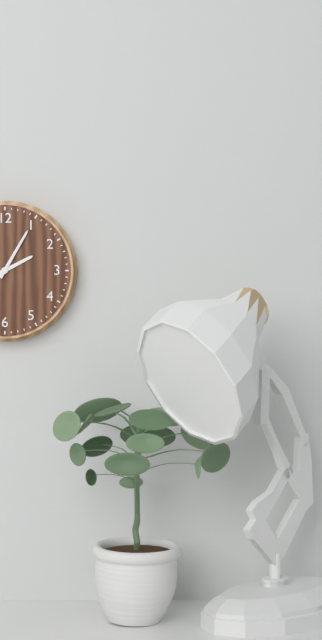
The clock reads 2.05
